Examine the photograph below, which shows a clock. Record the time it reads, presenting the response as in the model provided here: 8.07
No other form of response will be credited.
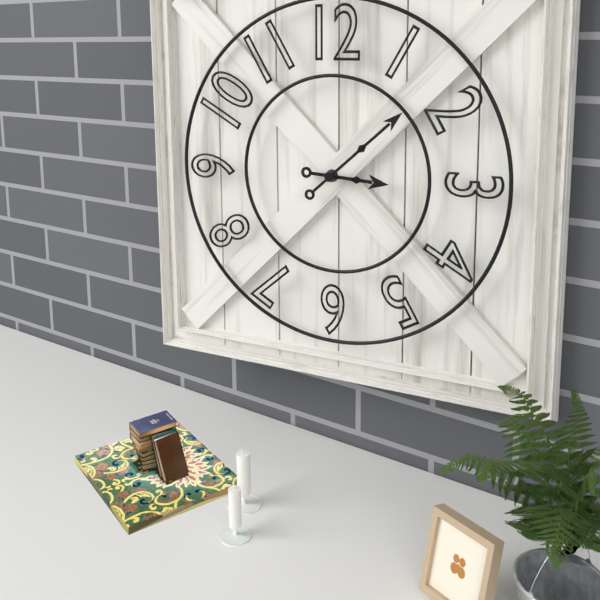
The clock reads 3.08
